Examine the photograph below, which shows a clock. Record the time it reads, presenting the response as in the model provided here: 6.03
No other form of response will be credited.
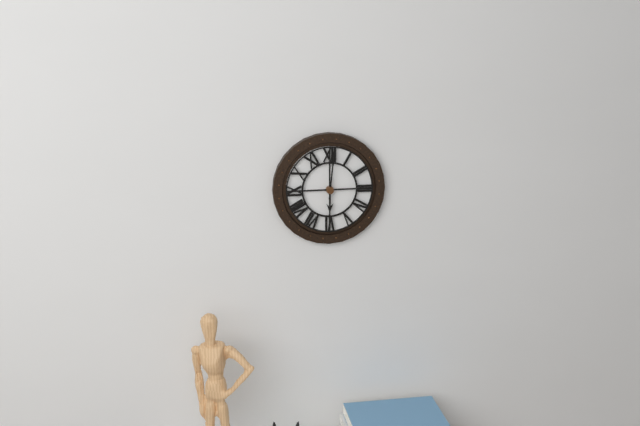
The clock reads 6.01
